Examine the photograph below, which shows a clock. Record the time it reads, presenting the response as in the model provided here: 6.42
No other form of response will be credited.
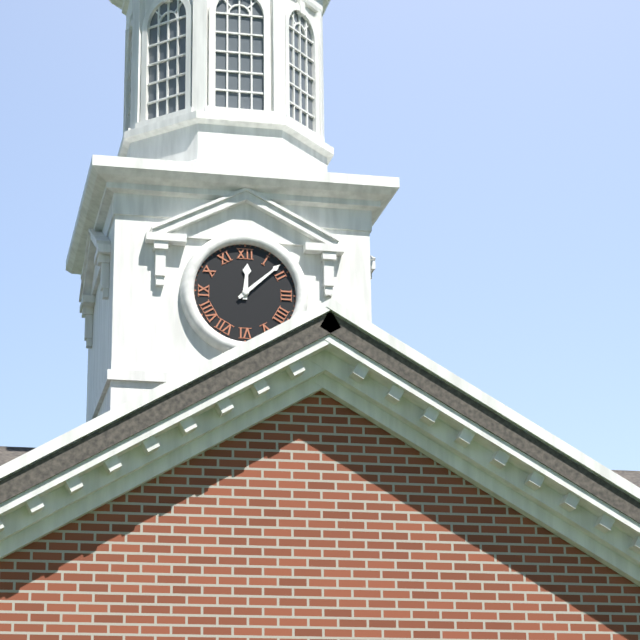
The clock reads 12.08
